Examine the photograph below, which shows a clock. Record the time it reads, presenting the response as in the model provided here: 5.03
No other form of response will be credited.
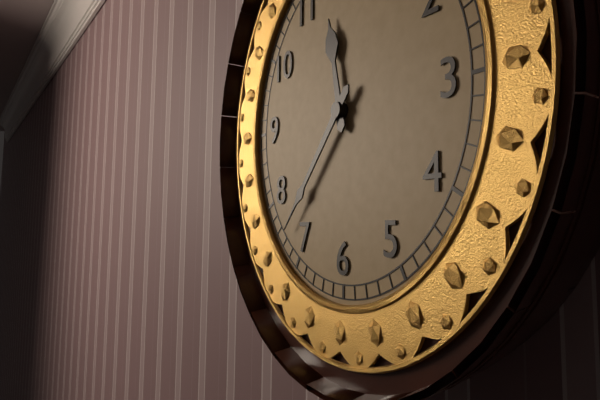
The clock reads 11.37
